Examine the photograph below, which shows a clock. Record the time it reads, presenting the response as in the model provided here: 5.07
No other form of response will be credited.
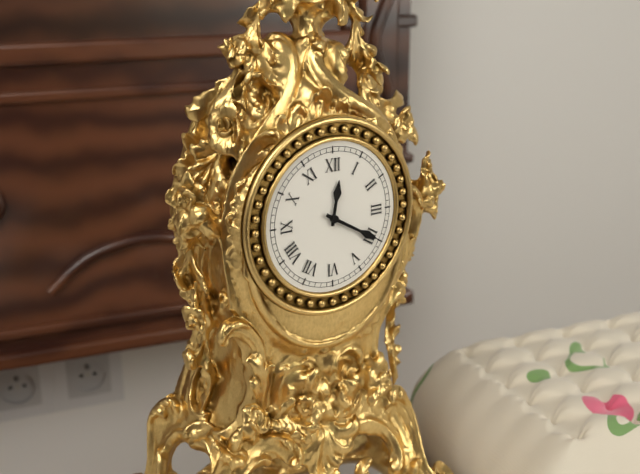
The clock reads 12.20
